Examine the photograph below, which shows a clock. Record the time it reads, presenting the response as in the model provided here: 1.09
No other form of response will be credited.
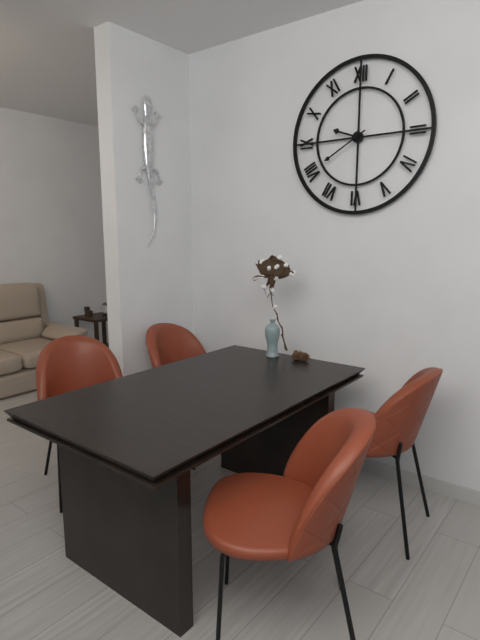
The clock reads 9.40
